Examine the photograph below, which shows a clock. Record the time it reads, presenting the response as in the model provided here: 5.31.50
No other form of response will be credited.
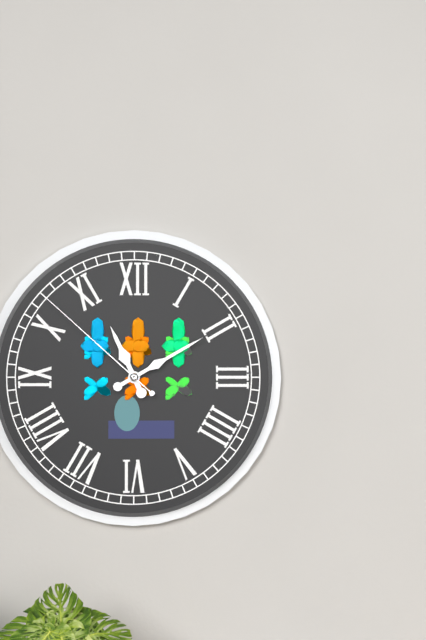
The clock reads 11.10.52
